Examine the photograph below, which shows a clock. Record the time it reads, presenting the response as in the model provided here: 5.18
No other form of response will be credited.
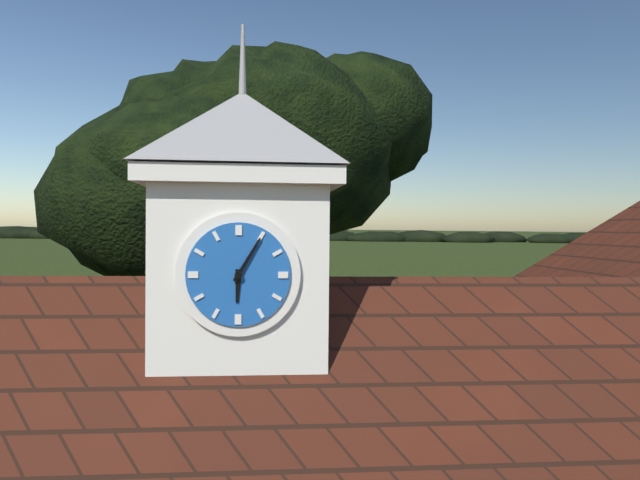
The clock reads 6.05
